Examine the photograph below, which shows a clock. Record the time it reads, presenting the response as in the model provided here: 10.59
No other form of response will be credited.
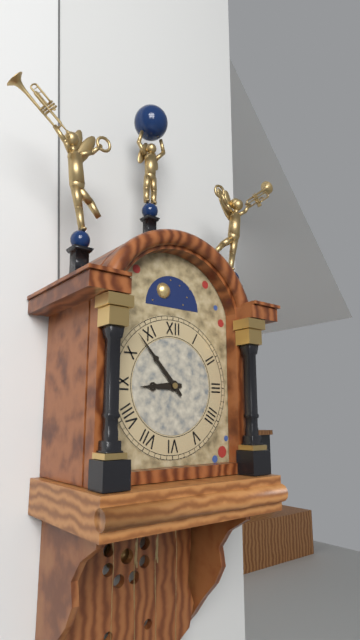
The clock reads 8.53
